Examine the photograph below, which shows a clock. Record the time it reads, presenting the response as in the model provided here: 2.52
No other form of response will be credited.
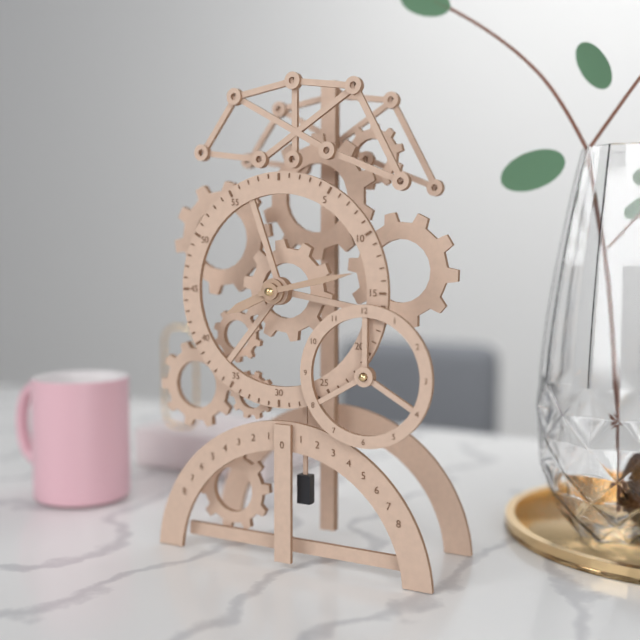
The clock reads 8.13
